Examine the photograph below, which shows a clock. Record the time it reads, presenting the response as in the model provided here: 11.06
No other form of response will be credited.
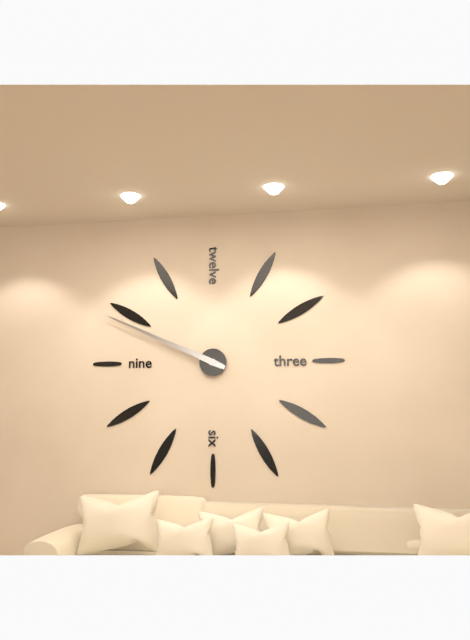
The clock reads 9.49
